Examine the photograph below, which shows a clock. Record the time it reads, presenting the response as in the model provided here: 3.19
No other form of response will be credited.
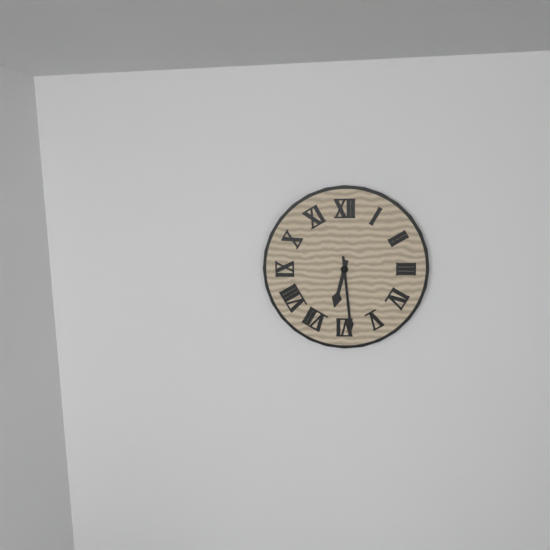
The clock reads 6.29
